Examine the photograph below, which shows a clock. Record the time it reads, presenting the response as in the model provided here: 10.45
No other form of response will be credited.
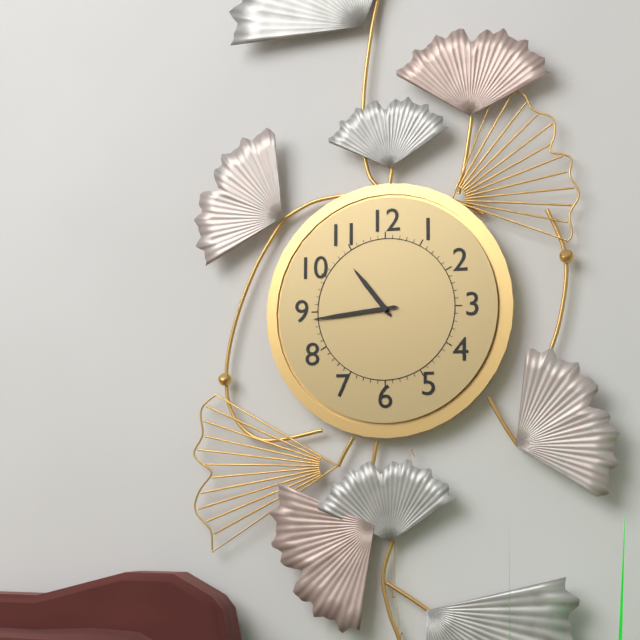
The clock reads 10.44
